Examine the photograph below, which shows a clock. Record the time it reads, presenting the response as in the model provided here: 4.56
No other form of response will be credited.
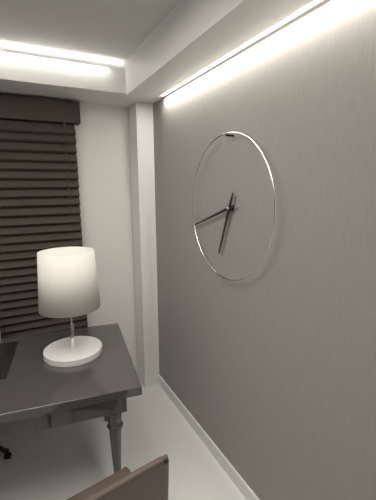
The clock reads 6.42
